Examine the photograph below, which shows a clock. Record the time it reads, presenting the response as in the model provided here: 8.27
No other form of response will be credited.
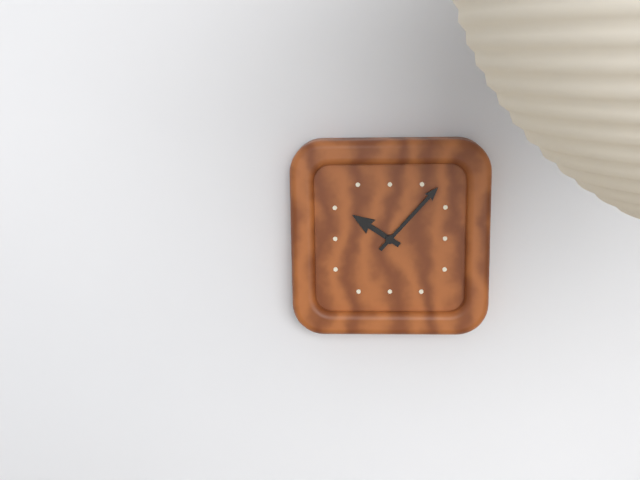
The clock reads 10.07
